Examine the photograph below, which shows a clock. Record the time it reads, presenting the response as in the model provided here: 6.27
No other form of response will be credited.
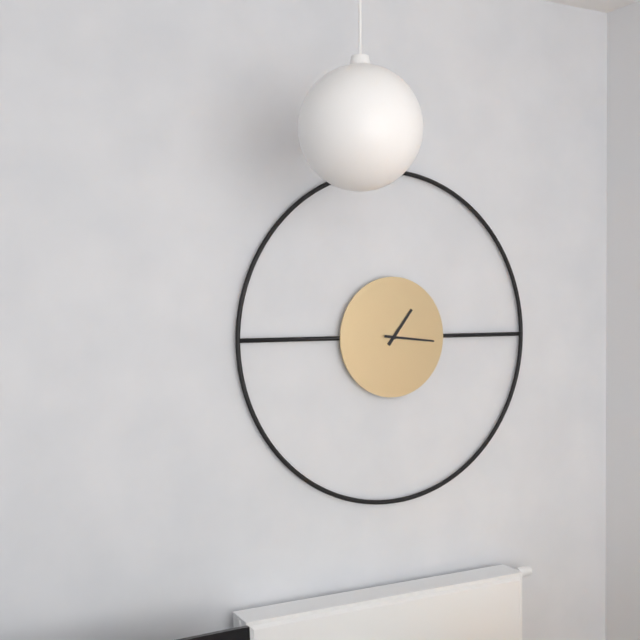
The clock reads 1.16
